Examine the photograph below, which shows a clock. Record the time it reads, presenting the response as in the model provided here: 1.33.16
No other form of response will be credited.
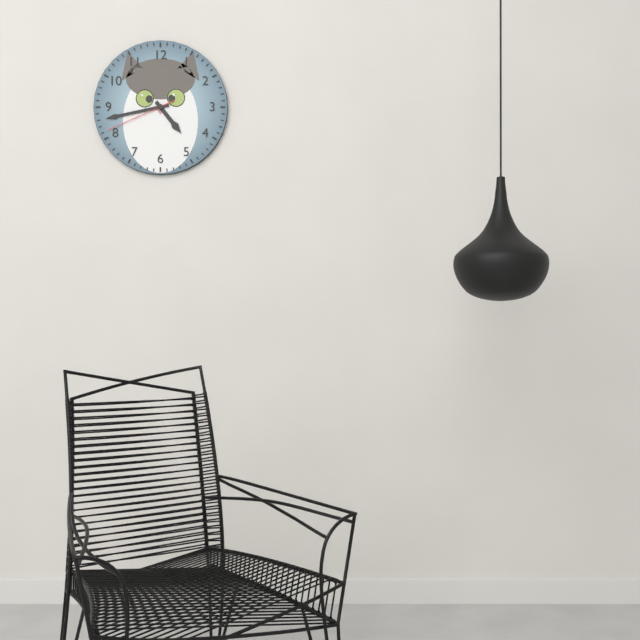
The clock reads 4.43.41
